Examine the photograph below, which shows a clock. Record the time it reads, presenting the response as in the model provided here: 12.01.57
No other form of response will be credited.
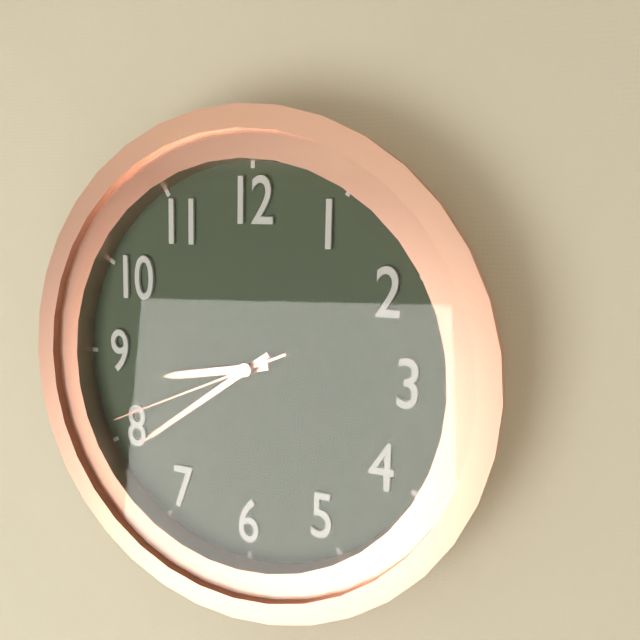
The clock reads 8.39.41
